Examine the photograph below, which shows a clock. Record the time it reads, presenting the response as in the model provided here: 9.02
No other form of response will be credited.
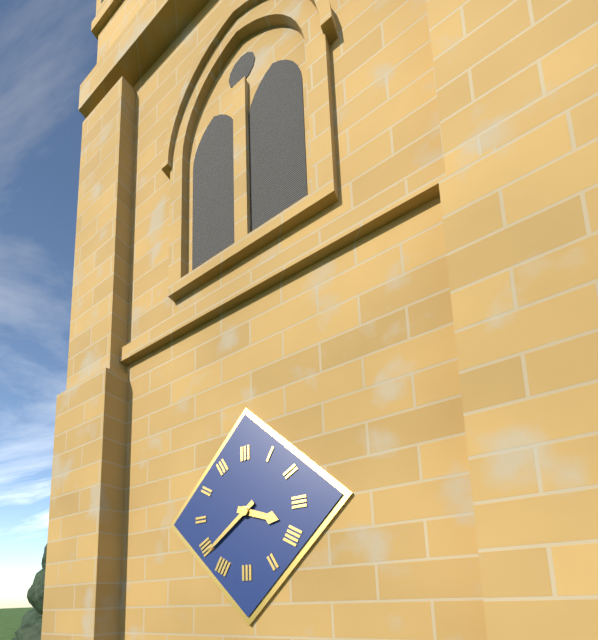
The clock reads 3.39
